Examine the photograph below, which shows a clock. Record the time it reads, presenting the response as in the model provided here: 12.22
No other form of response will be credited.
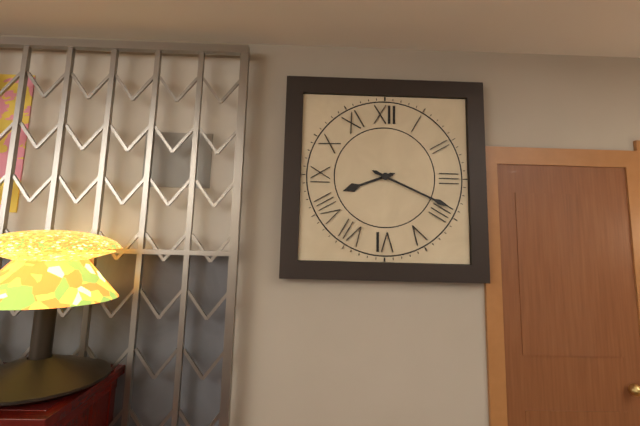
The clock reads 8.19
